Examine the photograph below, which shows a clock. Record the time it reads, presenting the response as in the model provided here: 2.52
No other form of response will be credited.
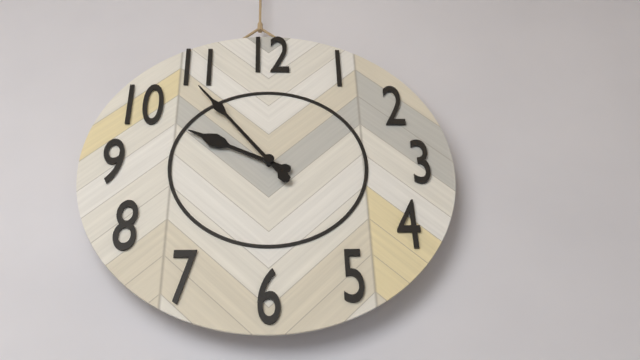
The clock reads 9.54
